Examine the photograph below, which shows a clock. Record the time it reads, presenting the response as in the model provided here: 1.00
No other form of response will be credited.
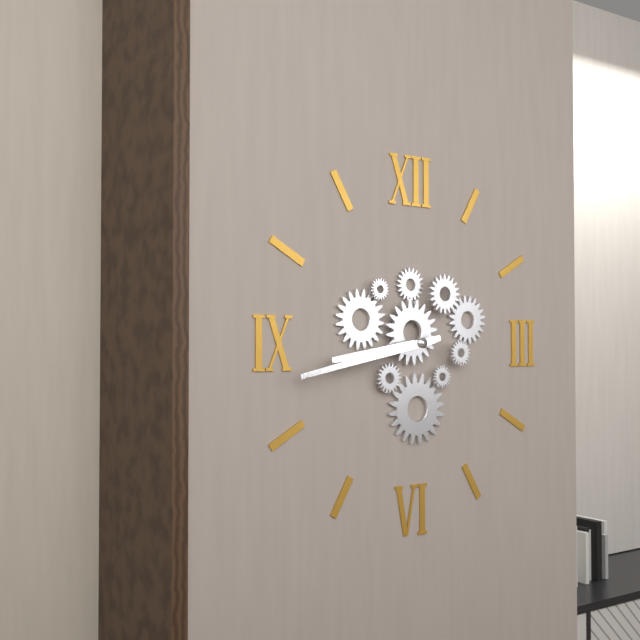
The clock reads 8.43
